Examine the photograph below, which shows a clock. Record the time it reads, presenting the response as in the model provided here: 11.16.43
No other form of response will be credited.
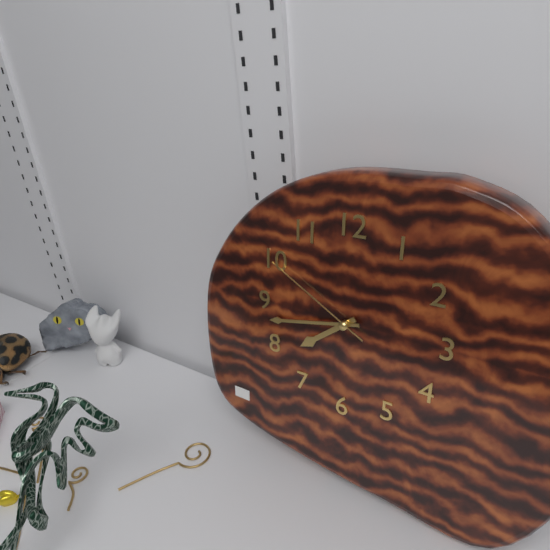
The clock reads 7.43.50
